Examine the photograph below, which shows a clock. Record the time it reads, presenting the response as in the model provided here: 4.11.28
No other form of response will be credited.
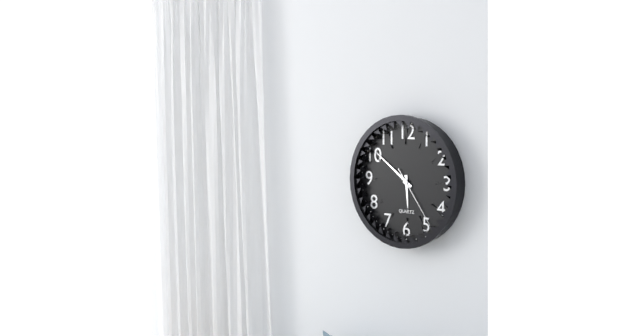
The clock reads 5.51.24
